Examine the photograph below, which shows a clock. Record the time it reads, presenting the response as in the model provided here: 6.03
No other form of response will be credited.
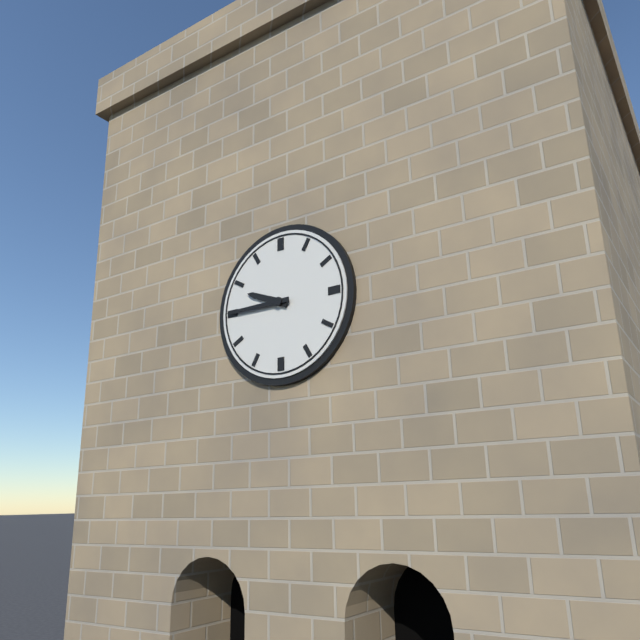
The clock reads 9.45
